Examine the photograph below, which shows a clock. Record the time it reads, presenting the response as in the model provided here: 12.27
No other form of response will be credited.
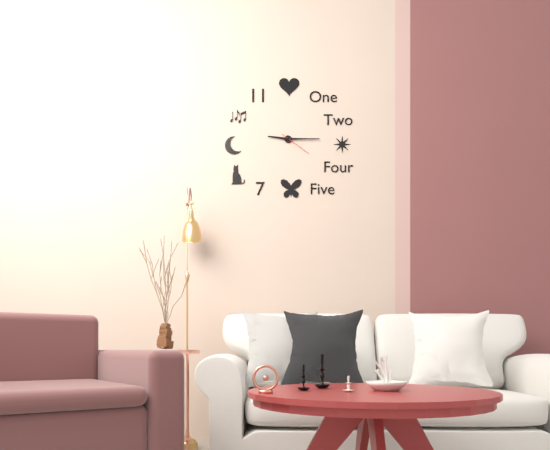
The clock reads 9.15
